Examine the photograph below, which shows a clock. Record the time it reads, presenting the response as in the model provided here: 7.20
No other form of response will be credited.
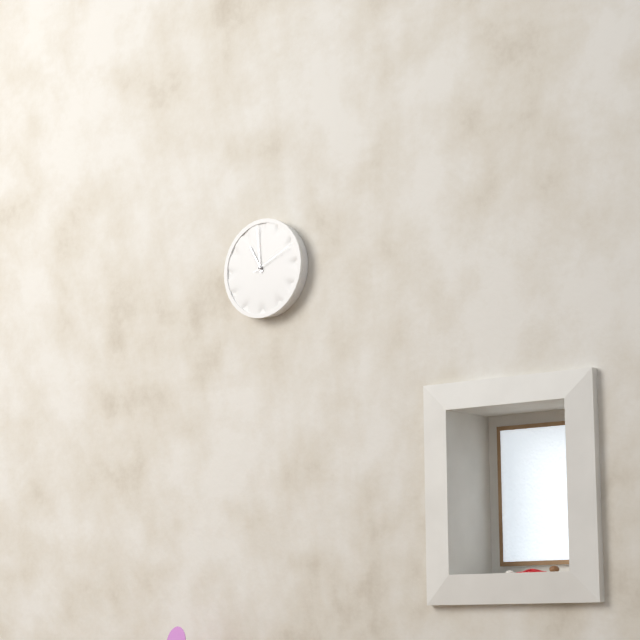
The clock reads 10.59
